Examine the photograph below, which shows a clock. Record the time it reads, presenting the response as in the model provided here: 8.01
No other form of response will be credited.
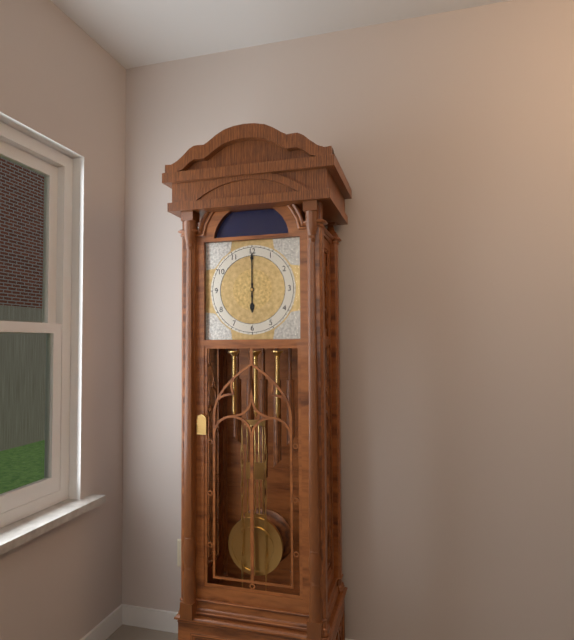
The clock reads 6.00
